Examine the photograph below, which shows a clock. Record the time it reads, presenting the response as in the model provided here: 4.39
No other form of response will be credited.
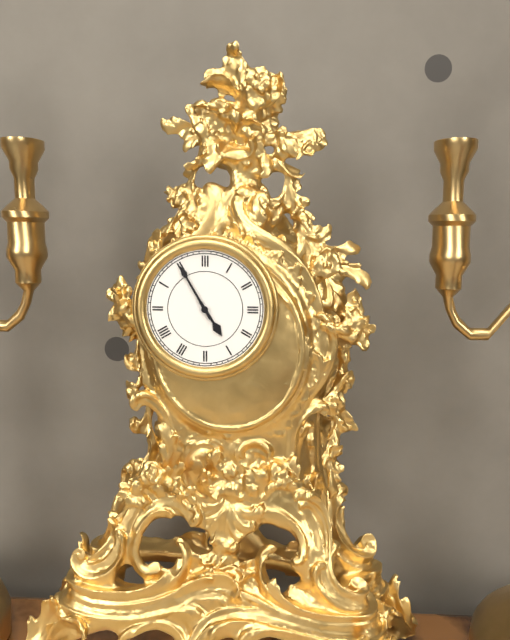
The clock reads 4.55
